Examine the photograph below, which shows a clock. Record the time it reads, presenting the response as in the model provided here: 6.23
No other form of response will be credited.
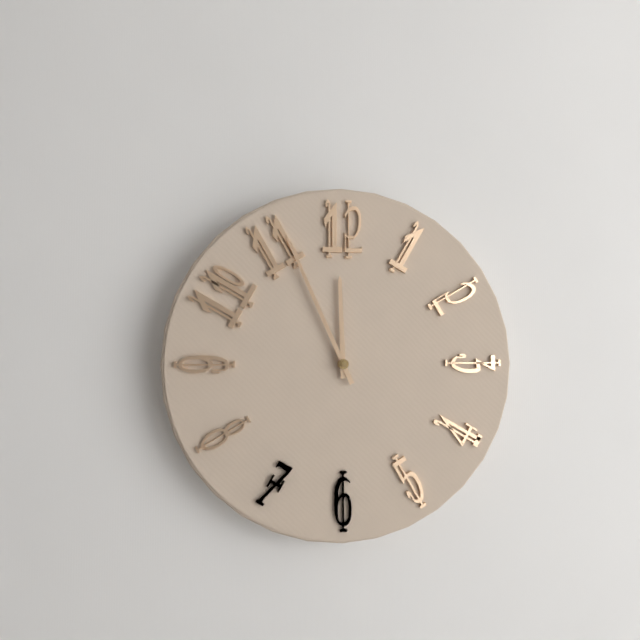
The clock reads 11.56
